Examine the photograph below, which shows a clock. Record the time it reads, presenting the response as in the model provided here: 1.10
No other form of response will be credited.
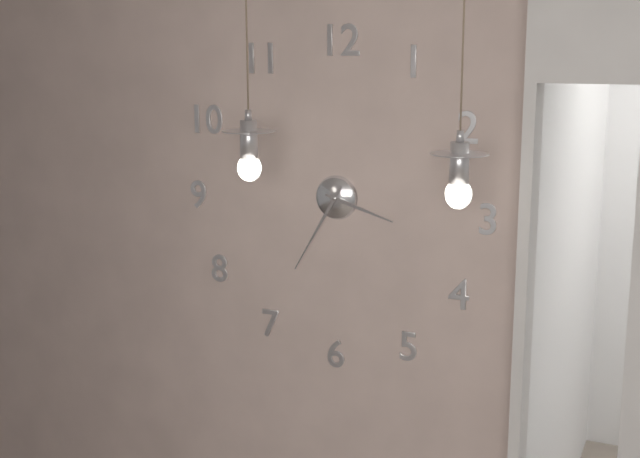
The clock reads 3.35
